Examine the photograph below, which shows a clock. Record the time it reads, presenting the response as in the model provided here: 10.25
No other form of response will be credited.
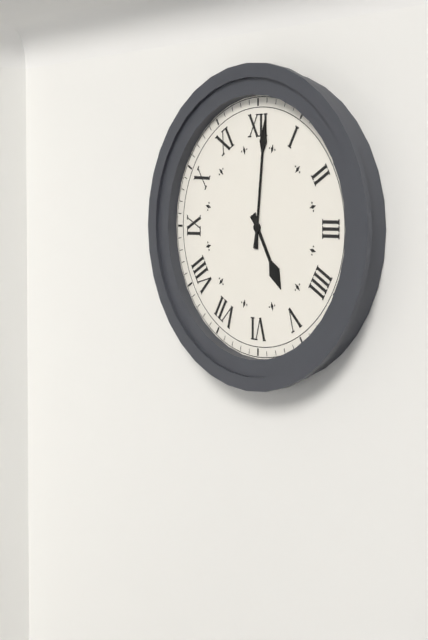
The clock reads 5.01
